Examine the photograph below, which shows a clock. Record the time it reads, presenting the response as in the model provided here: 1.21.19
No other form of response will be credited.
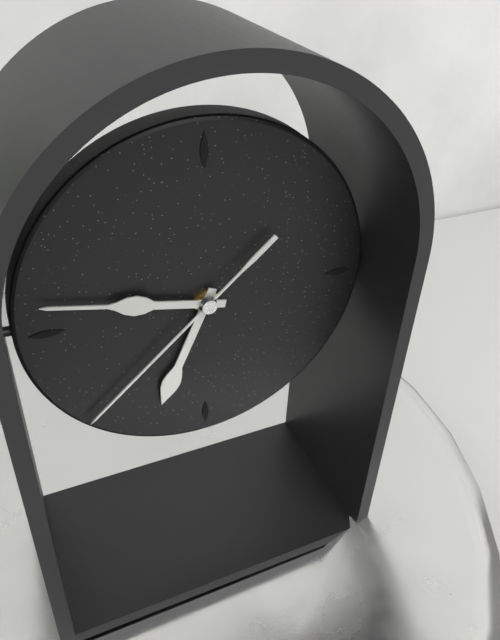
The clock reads 6.47.38
